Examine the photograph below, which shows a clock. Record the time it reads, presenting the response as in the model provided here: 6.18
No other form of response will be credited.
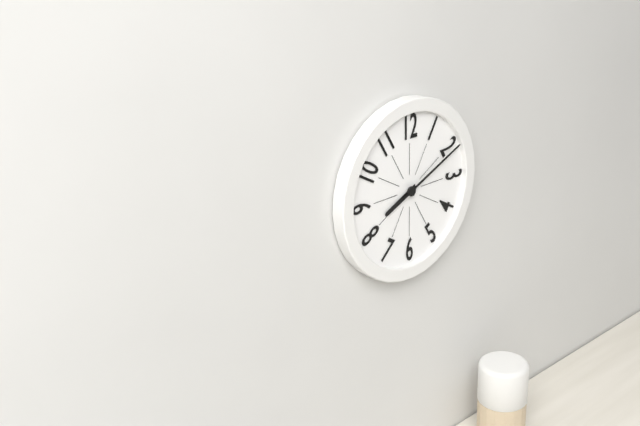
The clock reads 8.11
